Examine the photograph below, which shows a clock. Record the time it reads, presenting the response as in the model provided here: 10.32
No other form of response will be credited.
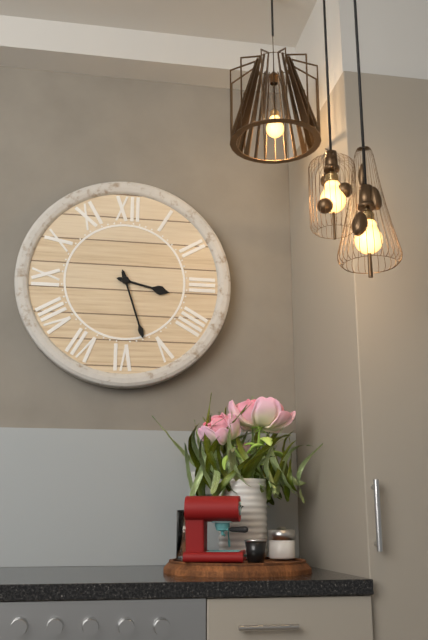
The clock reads 3.27
